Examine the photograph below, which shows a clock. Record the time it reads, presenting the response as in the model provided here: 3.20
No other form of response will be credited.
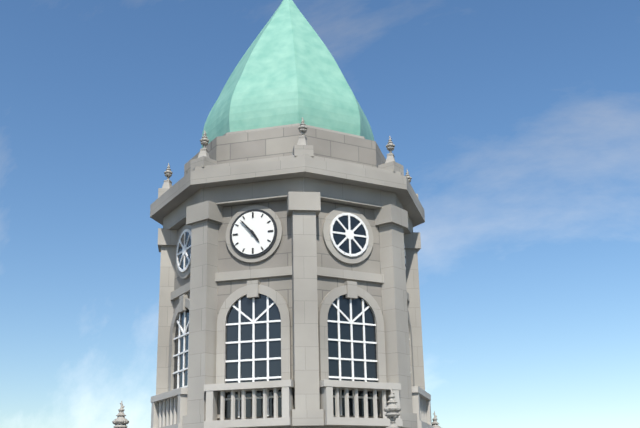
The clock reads 4.53
